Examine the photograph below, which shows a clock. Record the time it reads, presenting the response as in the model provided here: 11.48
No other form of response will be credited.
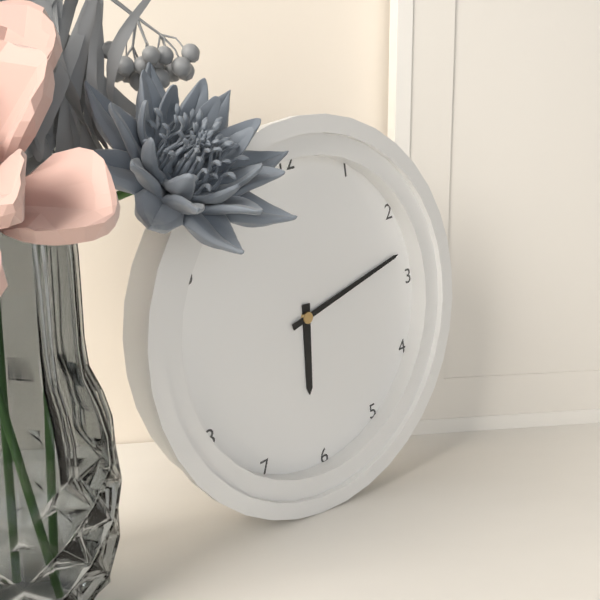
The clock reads 6.13
